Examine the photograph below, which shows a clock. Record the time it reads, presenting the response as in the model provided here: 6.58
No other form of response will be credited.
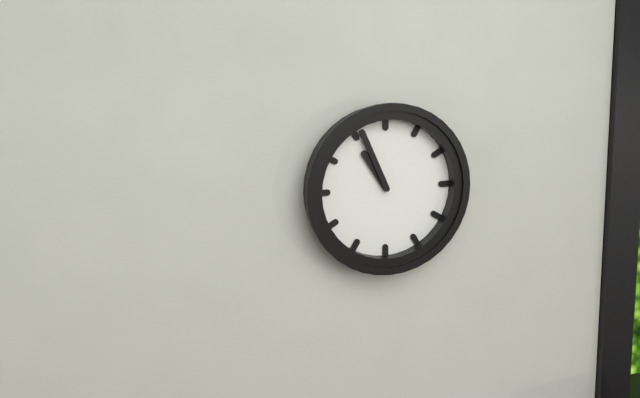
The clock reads 10.56
